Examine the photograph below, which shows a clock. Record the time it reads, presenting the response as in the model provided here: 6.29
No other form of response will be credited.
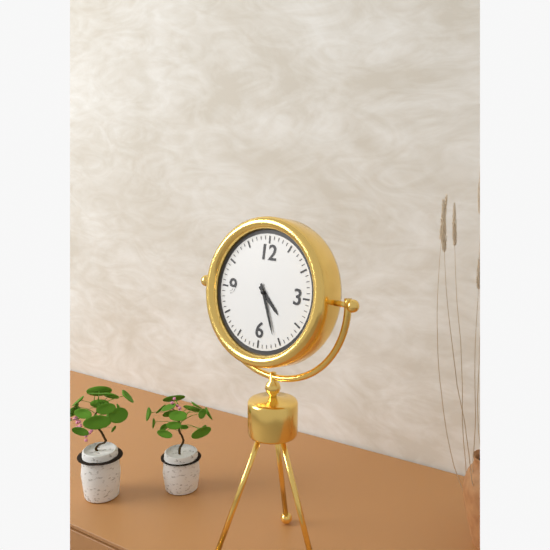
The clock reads 4.26
